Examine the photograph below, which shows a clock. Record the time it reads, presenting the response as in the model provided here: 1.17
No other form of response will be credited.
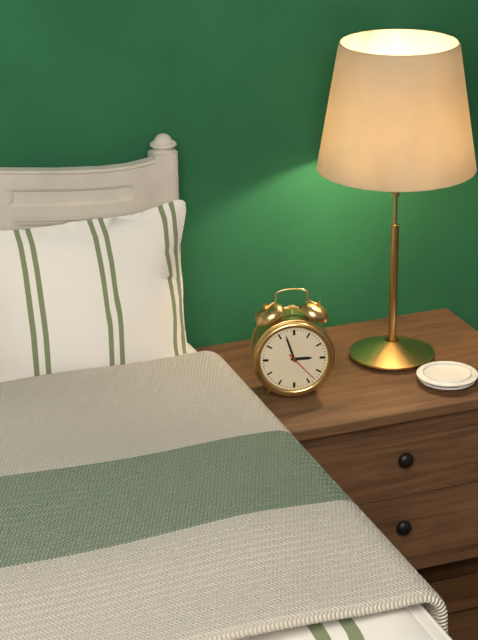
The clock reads 2.57
